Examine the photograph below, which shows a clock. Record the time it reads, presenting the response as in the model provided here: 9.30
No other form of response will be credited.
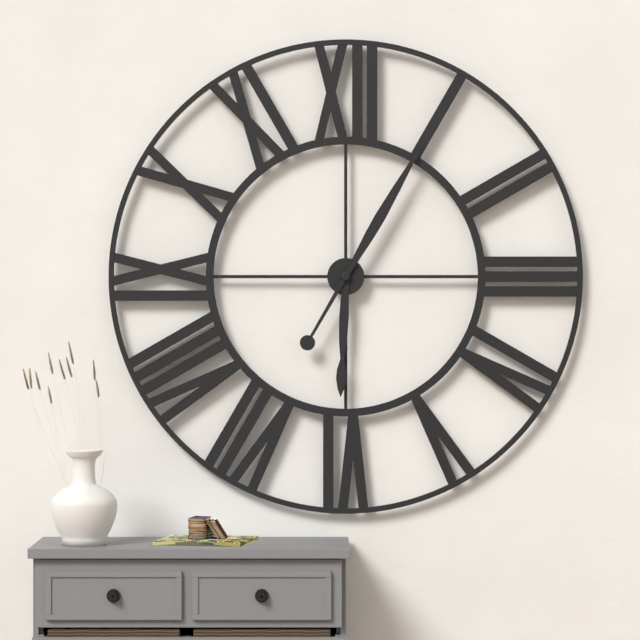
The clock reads 6.05
